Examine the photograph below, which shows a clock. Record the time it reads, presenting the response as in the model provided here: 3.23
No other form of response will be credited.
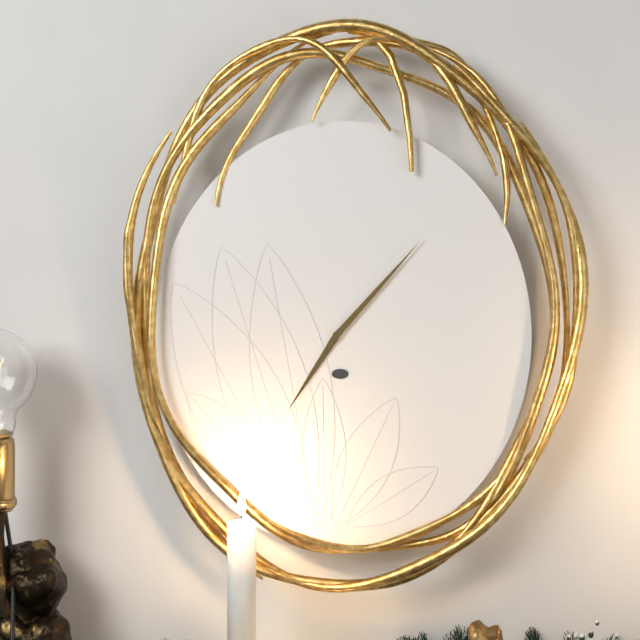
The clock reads 7.07
